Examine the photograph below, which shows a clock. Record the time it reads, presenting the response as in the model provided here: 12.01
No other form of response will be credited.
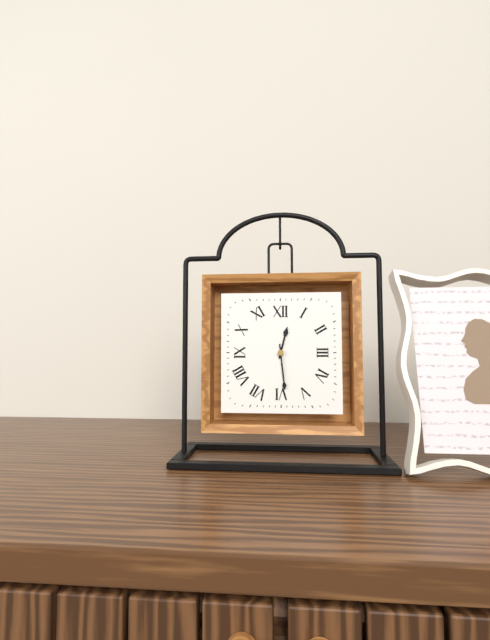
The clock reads 12.29
